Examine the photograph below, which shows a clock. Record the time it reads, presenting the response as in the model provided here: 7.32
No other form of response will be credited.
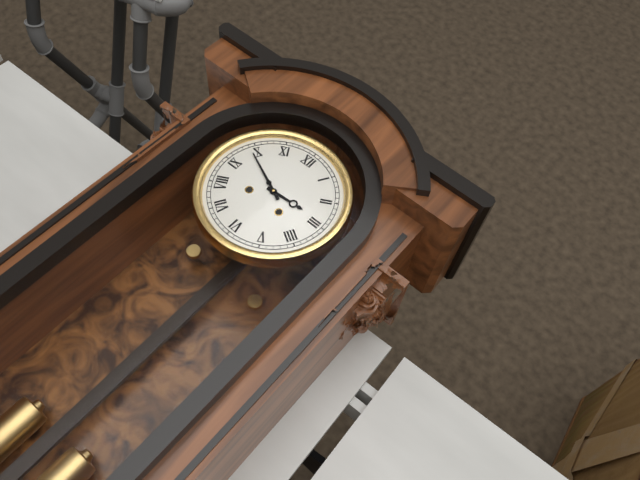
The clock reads 2.49
